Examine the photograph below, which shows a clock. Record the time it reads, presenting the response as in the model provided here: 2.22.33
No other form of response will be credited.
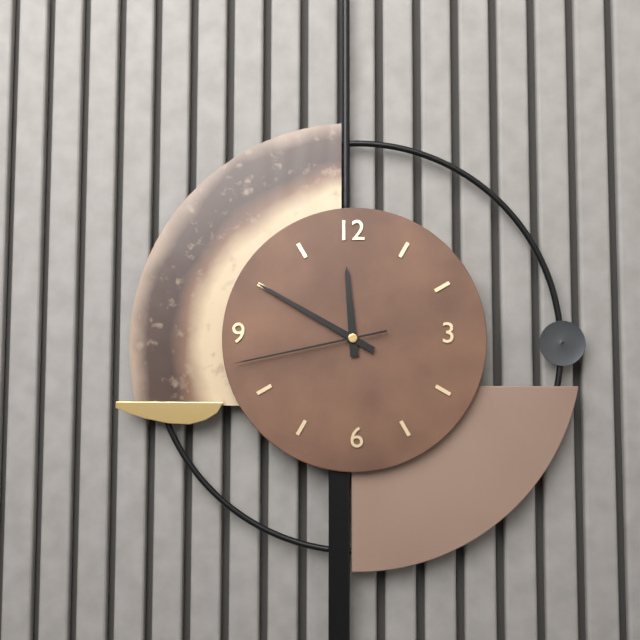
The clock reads 11.50.43
